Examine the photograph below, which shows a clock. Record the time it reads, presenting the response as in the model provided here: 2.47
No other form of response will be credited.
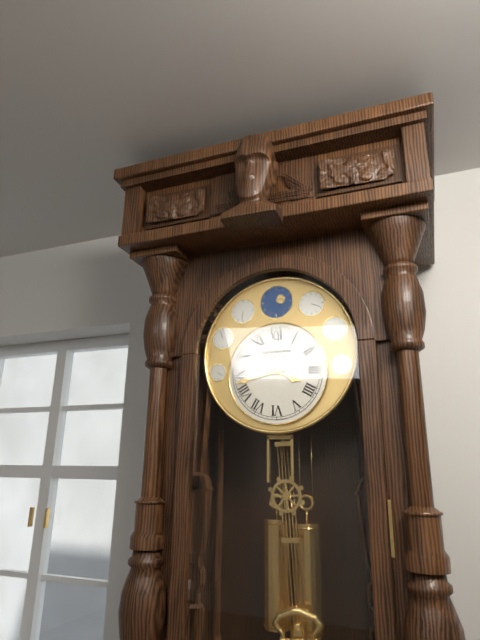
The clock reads 3.43
